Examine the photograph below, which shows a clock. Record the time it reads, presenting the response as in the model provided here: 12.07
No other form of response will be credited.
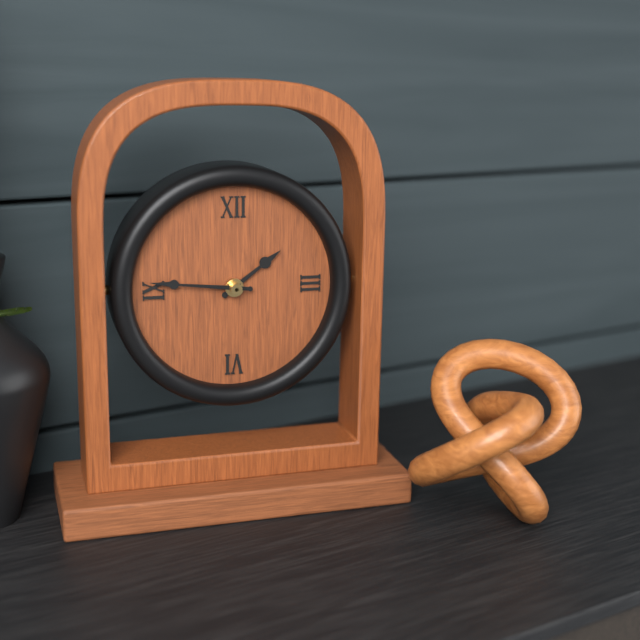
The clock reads 1.46
